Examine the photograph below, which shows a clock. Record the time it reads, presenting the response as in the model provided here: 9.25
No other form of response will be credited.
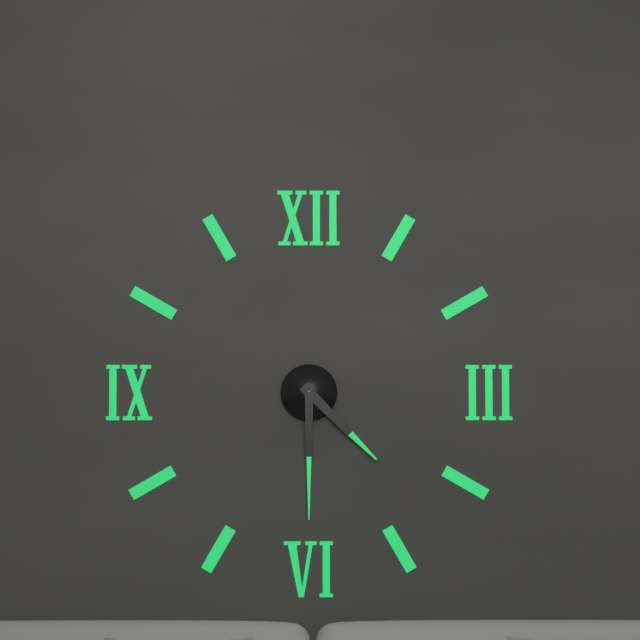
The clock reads 4.30
